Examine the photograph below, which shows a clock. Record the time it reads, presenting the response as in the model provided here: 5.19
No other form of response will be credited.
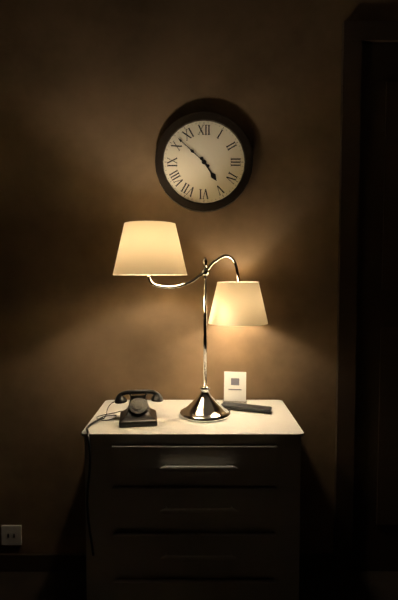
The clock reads 4.52
